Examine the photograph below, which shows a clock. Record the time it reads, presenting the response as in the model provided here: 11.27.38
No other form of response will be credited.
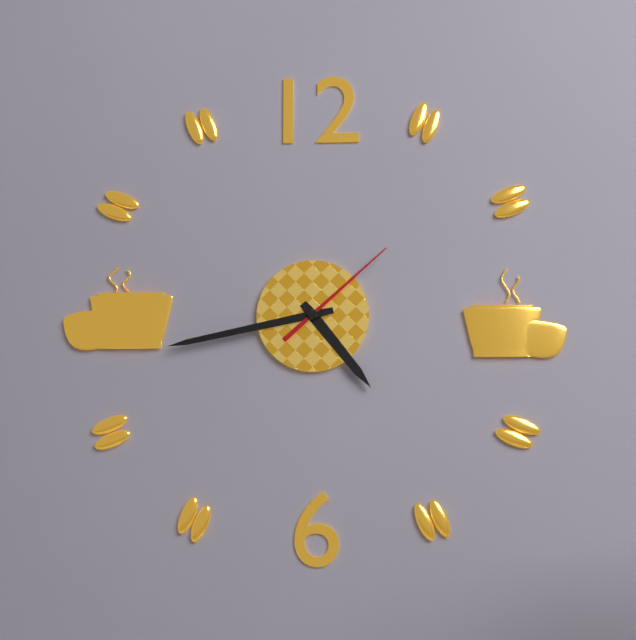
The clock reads 4.43.08
